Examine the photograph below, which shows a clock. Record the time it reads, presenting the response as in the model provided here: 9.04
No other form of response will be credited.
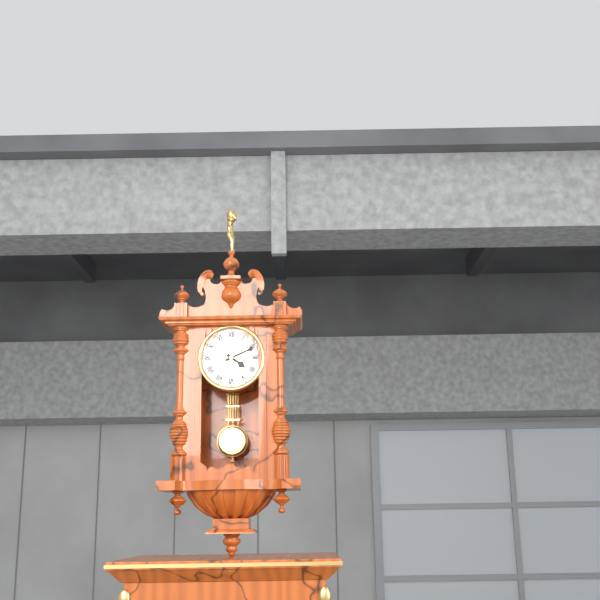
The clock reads 4.11
